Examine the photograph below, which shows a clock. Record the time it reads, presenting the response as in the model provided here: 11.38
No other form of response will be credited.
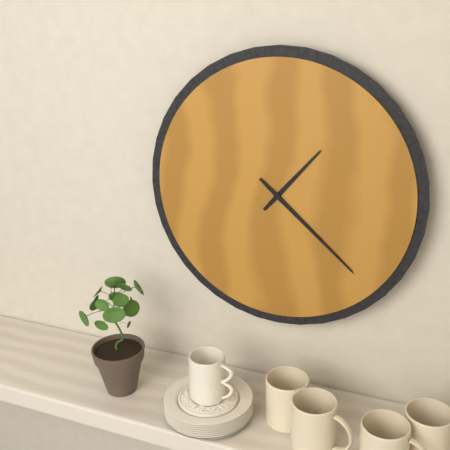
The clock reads 1.22
